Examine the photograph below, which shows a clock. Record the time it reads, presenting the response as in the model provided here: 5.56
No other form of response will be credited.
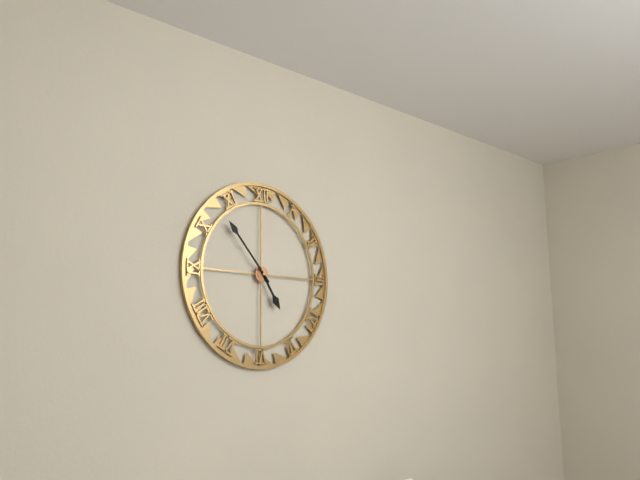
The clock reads 4.53
